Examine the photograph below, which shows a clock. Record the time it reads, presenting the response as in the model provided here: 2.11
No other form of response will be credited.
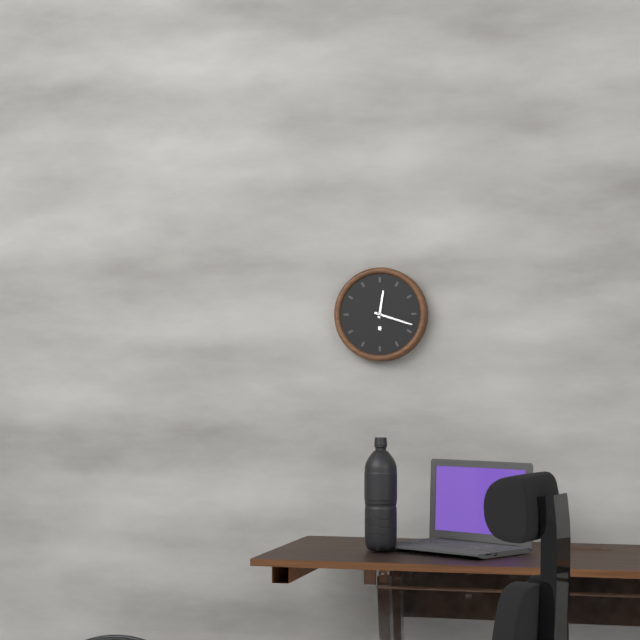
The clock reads 12.18
